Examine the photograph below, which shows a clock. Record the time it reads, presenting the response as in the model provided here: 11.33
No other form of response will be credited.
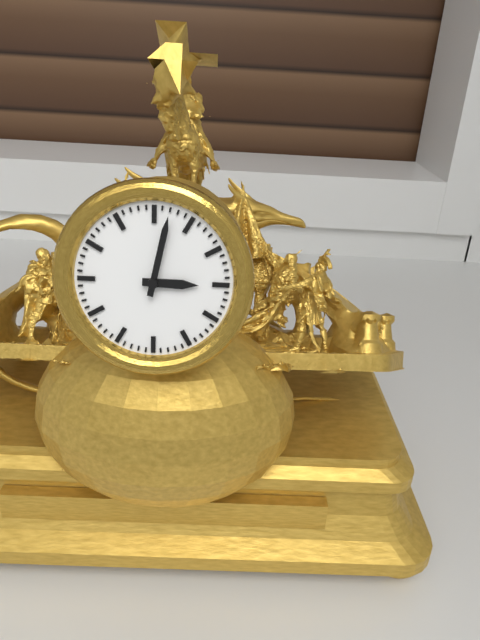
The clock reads 3.02
